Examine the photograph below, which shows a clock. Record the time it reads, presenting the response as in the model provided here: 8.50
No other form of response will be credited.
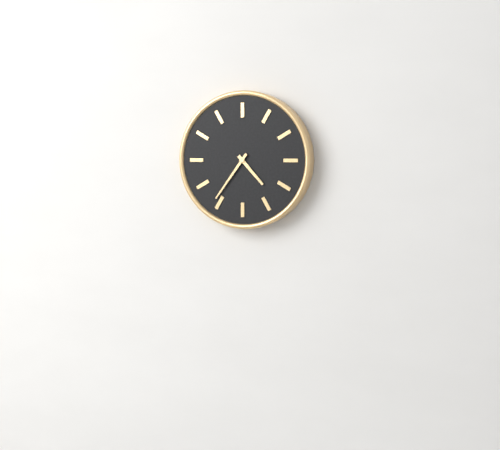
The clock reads 4.36
